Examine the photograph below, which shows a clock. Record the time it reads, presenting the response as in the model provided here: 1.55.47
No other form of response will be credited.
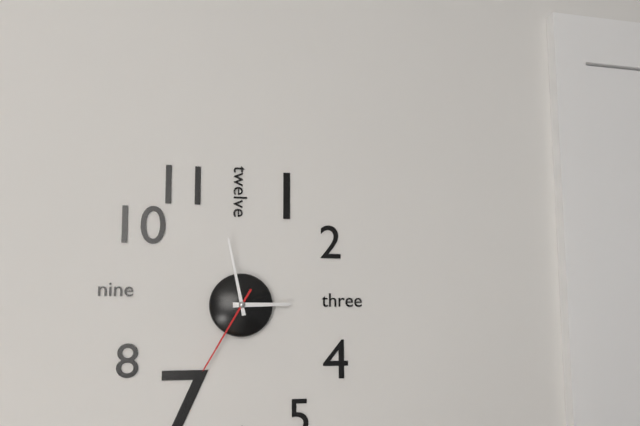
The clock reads 2.58.35
